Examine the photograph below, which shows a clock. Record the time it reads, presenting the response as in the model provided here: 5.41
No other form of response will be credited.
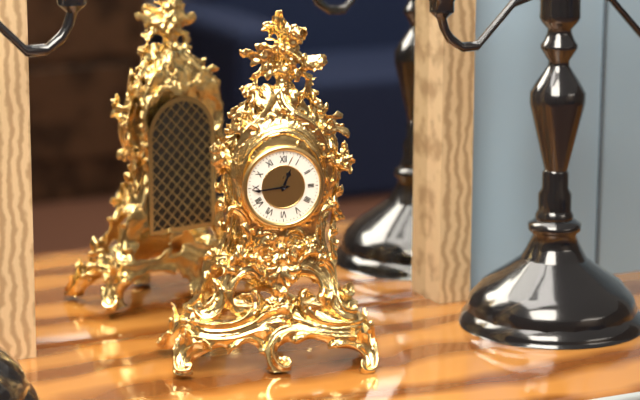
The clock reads 12.44
